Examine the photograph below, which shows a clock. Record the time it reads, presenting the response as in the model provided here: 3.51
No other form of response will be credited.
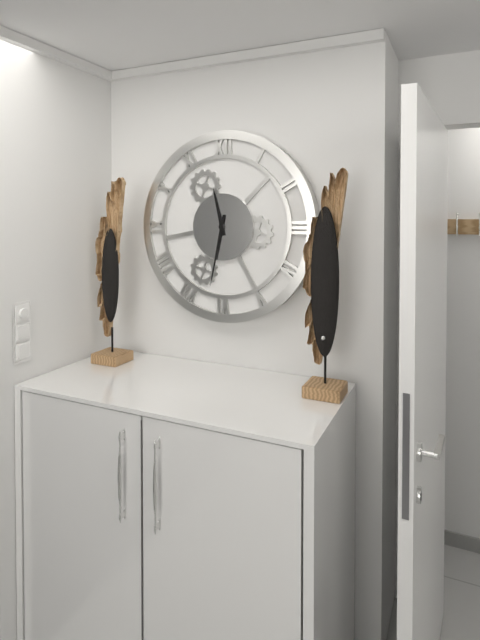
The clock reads 11.32
